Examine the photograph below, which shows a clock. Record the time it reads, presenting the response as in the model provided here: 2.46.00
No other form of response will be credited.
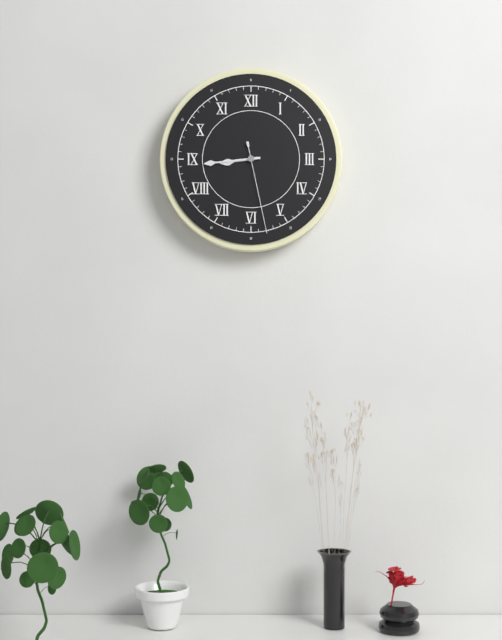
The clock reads 8.44.28
